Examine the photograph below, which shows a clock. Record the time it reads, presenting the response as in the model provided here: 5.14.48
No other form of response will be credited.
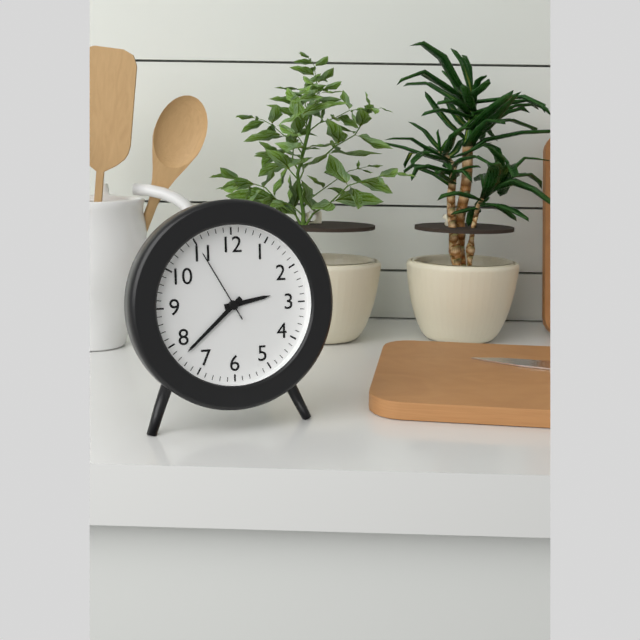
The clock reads 2.38.55
